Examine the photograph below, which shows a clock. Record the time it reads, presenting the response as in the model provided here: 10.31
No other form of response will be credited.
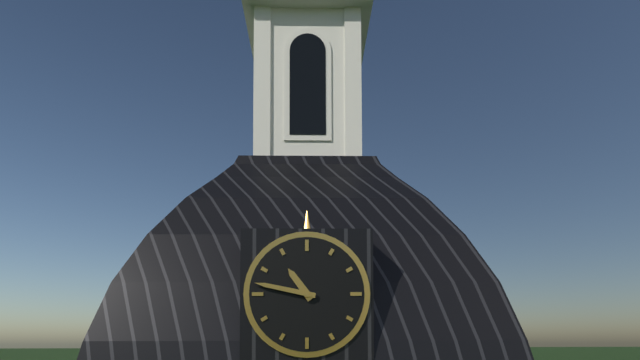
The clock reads 10.47
